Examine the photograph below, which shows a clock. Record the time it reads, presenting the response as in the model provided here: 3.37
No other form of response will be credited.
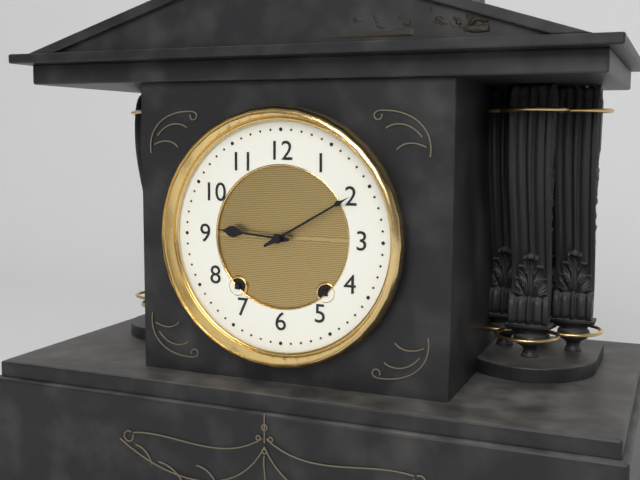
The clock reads 9.10
